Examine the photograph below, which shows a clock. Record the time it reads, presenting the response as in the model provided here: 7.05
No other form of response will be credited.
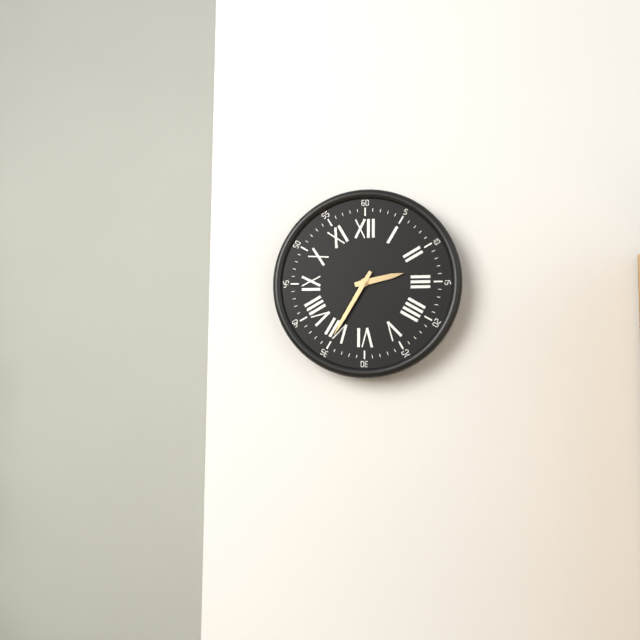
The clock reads 2.35
